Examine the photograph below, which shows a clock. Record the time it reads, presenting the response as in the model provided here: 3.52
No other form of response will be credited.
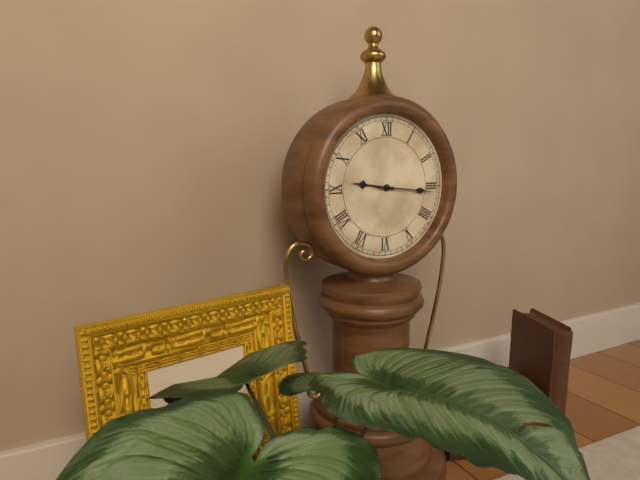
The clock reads 9.16
